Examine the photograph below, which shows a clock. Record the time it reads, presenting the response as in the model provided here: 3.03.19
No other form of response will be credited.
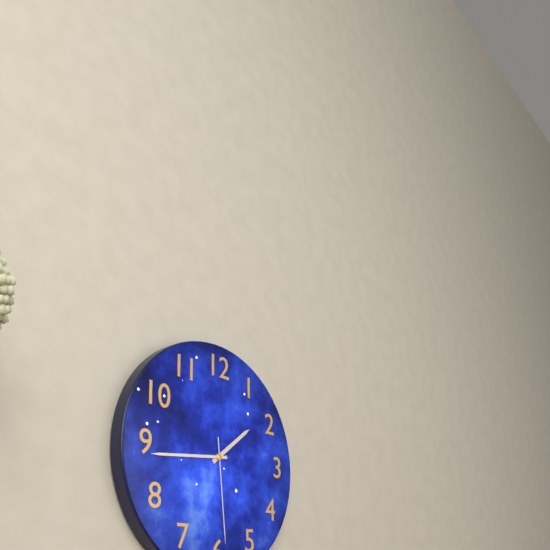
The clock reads 1.44.29
